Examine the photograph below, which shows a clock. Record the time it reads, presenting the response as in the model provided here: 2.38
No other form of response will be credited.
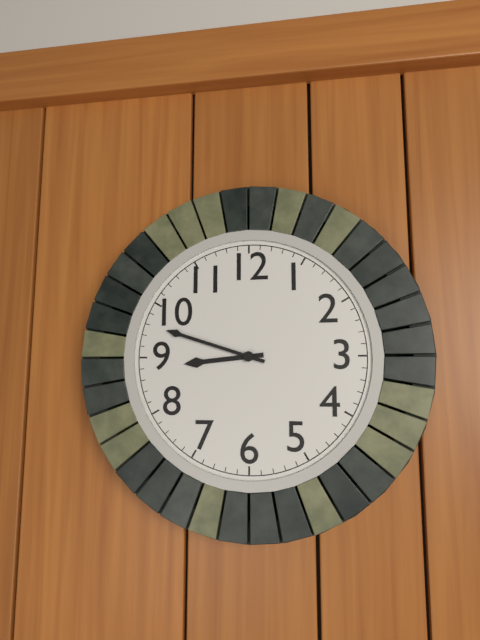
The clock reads 8.48
